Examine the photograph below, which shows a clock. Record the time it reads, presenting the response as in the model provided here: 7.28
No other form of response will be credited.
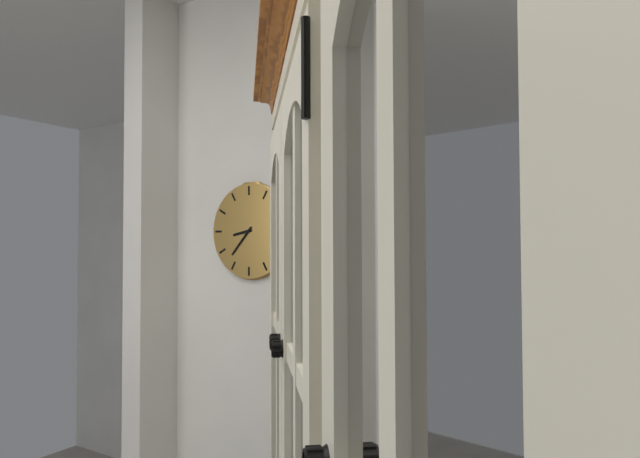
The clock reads 8.37
